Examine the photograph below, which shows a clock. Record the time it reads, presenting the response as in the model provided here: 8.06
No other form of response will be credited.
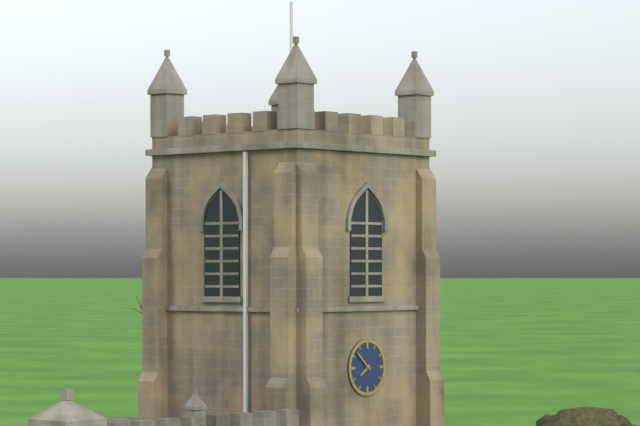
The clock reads 7.52
